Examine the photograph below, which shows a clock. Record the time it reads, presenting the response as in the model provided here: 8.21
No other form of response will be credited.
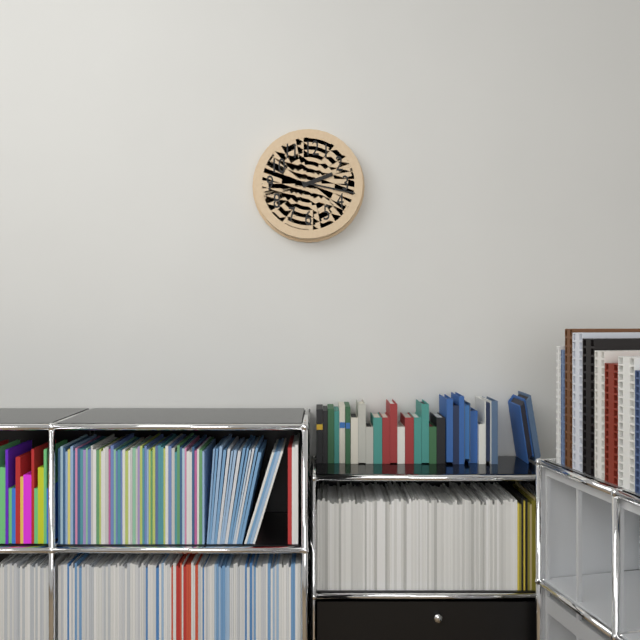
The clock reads 2.17
